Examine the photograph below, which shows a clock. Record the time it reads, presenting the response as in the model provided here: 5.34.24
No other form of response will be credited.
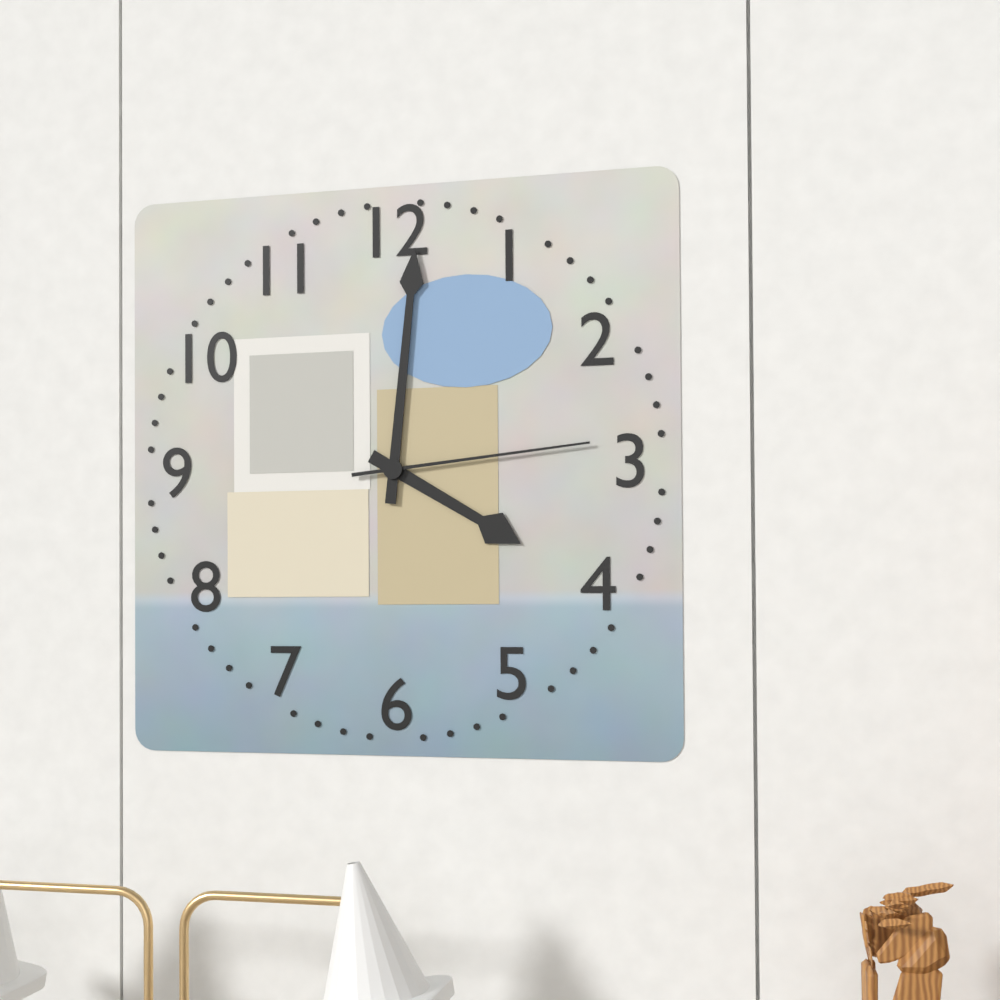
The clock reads 4.01.14
